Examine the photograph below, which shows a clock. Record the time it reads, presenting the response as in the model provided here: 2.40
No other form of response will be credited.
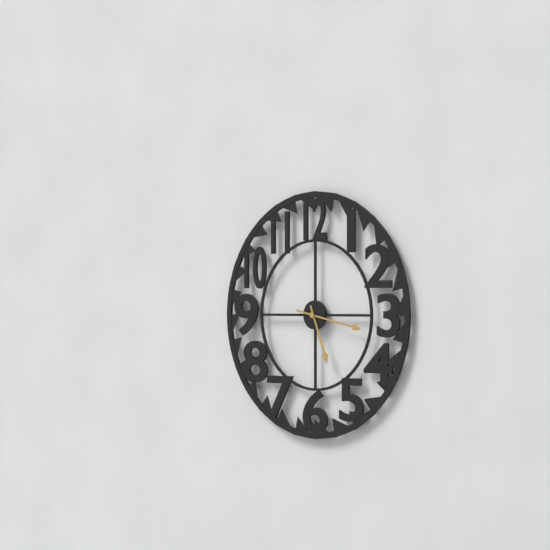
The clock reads 5.17
